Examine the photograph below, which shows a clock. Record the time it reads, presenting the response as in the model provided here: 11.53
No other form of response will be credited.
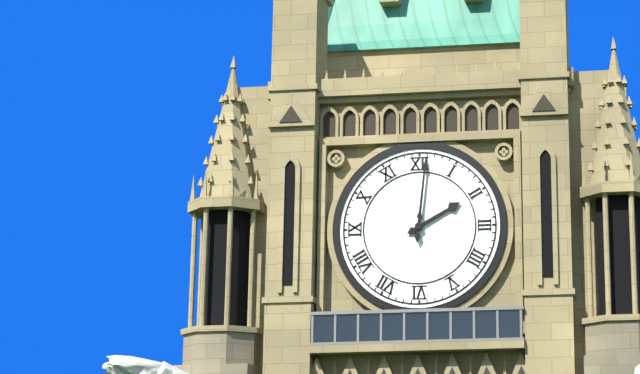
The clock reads 2.01
